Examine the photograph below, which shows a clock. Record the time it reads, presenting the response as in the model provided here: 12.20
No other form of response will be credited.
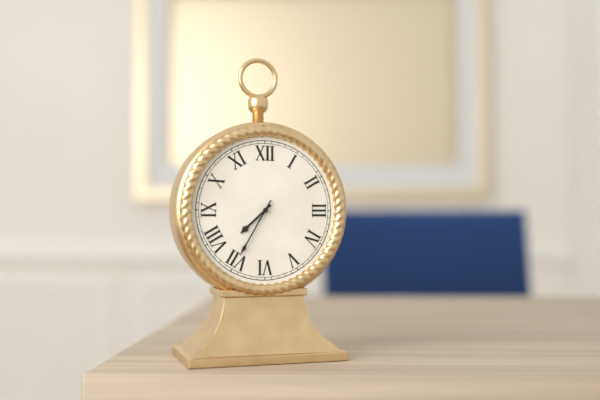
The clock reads 7.35
